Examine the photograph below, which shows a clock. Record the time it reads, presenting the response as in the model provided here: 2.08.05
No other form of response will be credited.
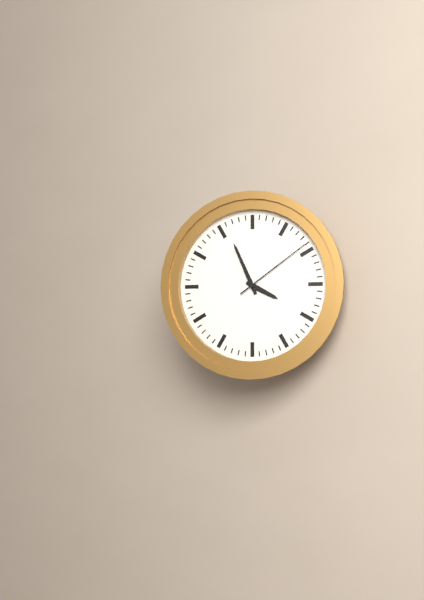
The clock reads 3.56.09
